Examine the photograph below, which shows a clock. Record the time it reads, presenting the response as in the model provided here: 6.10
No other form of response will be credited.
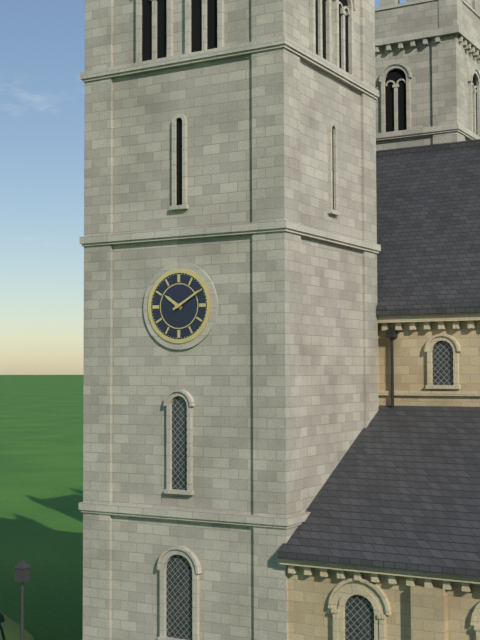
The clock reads 10.10
